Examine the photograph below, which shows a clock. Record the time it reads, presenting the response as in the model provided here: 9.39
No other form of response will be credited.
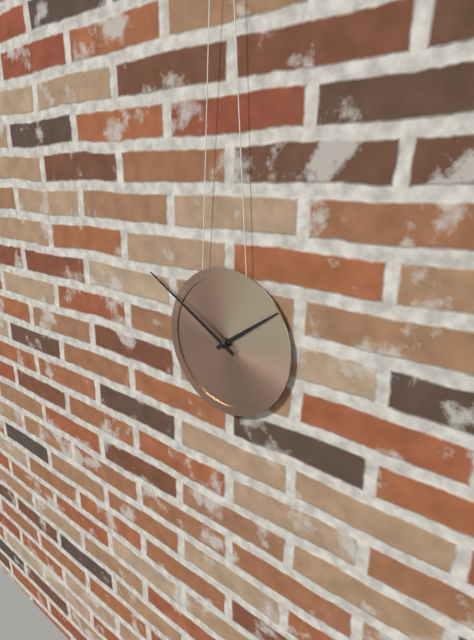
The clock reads 1.50
